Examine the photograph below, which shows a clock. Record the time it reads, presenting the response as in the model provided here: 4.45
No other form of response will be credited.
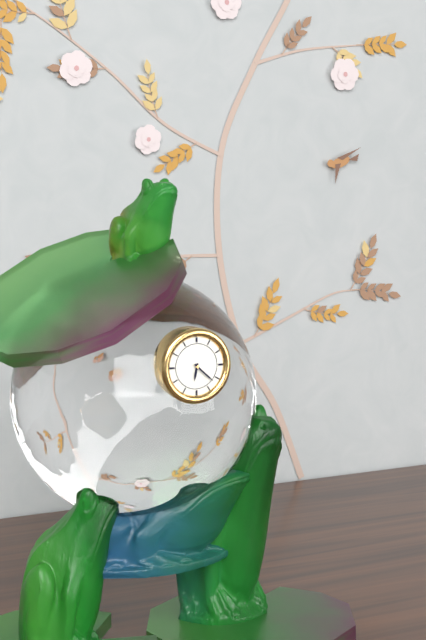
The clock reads 6.22
